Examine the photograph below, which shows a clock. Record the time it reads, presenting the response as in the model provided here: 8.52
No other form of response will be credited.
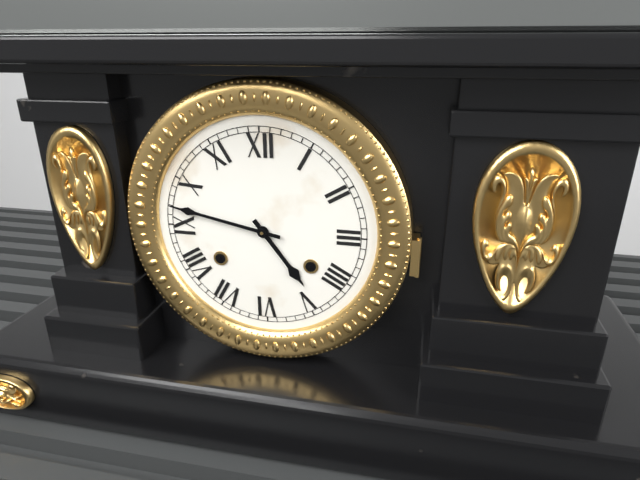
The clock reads 4.47
